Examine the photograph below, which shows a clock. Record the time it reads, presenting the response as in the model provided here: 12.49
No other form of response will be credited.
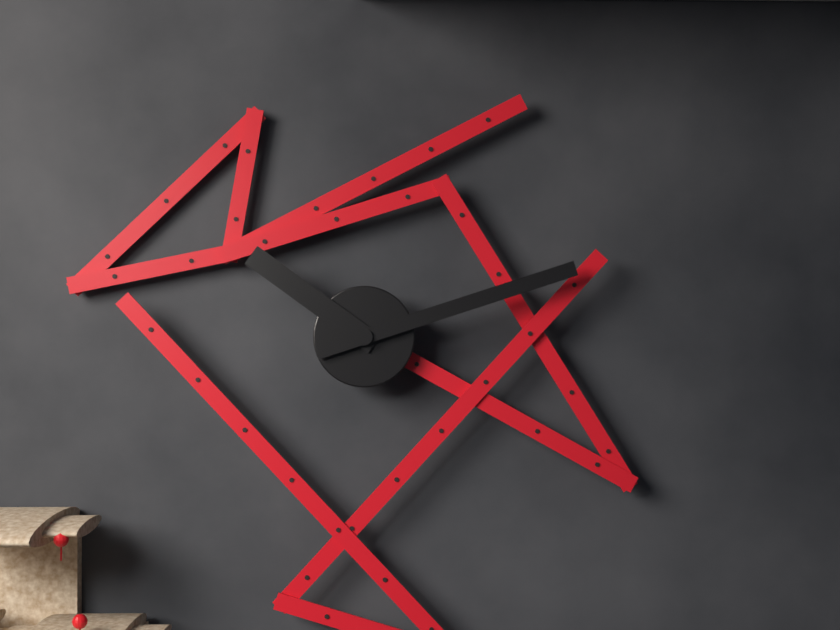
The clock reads 10.12
